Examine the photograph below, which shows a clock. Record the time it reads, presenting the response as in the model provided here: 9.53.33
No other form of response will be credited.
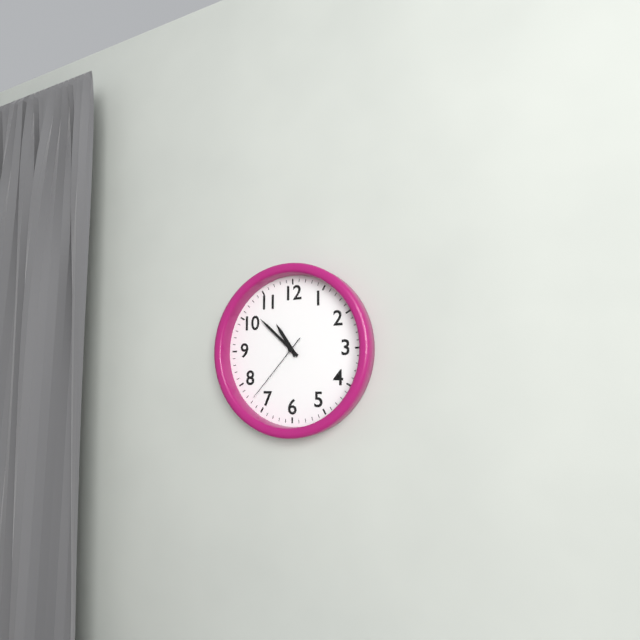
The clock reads 10.52.37
